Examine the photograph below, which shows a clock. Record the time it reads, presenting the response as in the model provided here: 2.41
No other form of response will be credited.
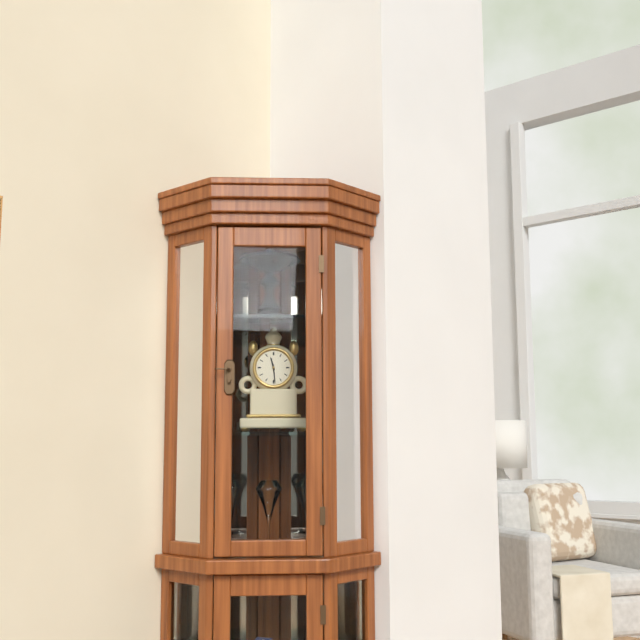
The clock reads 11.29
